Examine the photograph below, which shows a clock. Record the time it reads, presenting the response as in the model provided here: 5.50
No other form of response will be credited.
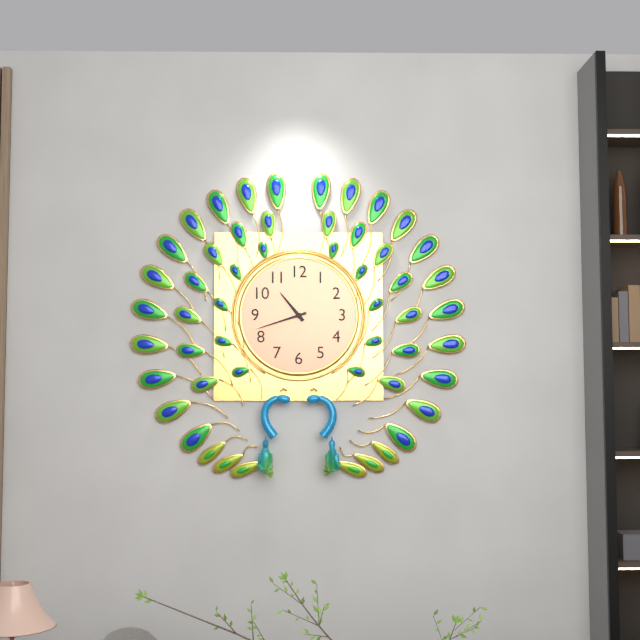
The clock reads 10.42
